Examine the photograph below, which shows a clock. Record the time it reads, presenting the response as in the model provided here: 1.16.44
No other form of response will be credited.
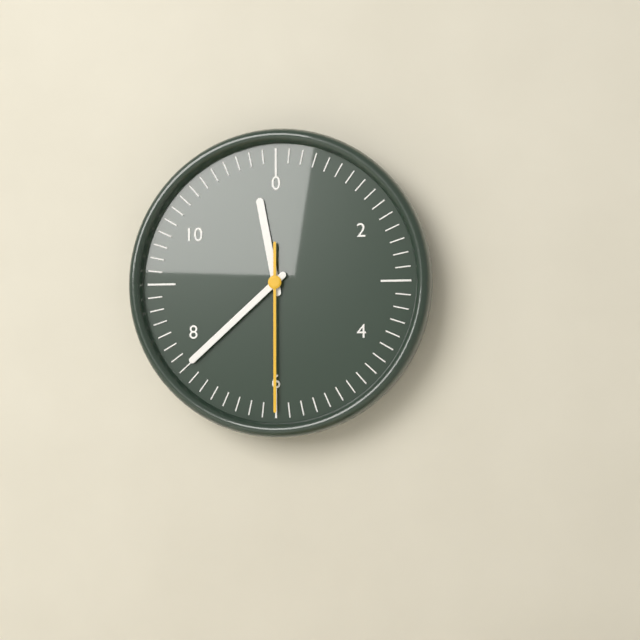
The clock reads 11.38.30
